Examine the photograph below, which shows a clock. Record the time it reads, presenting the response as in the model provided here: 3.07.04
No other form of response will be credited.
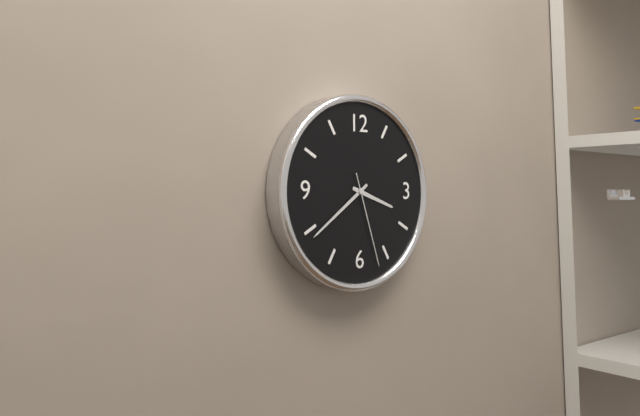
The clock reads 3.39.27
